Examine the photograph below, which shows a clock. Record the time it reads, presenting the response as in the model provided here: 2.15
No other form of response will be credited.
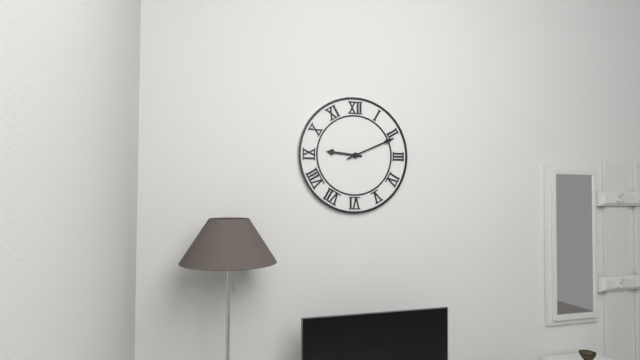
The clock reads 9.11
